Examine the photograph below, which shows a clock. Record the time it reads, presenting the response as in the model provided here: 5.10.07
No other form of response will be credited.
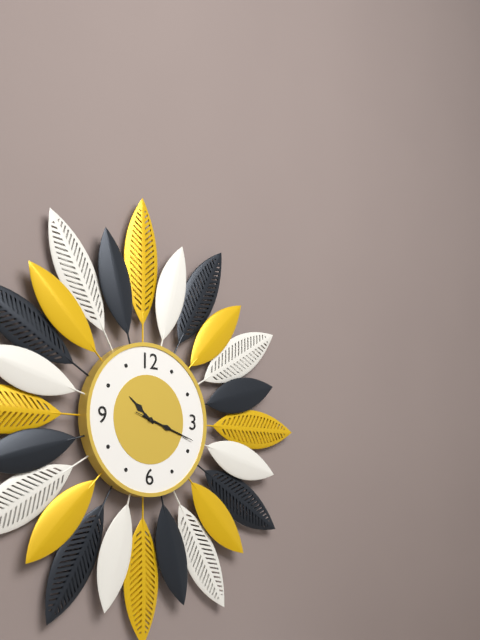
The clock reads 10.18.18
